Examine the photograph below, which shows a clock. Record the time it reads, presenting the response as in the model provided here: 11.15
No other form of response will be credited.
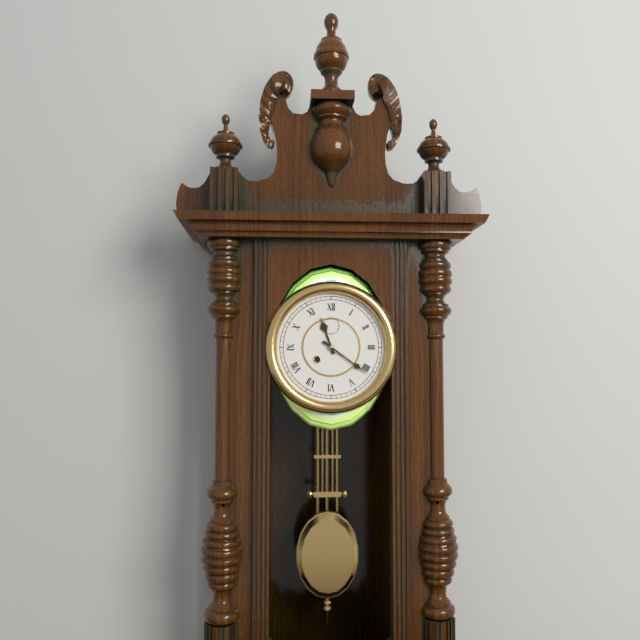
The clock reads 11.21
